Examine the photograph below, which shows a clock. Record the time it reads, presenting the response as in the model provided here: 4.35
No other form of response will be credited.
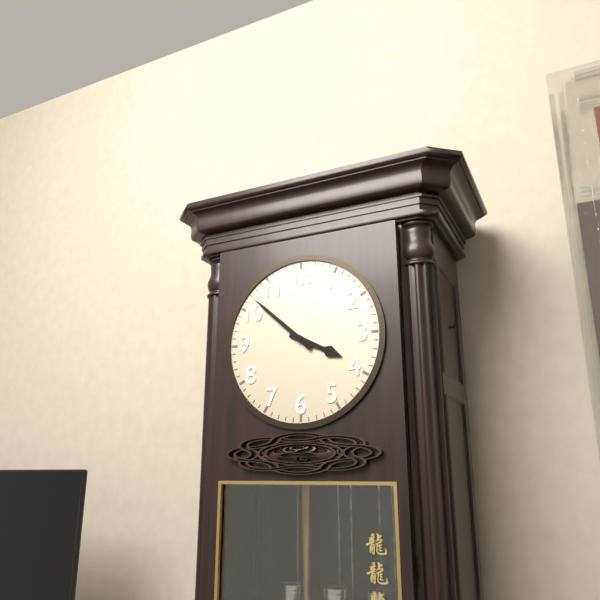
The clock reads 3.52
